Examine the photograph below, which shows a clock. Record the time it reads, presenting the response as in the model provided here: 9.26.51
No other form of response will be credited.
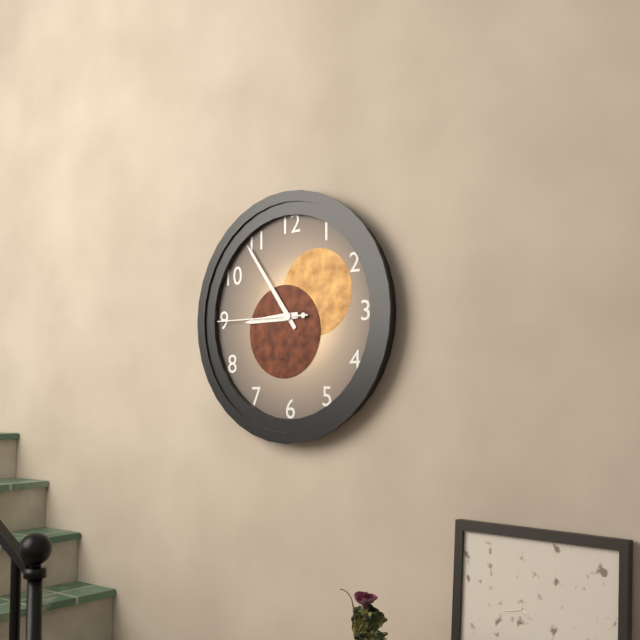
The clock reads 8.54.45
